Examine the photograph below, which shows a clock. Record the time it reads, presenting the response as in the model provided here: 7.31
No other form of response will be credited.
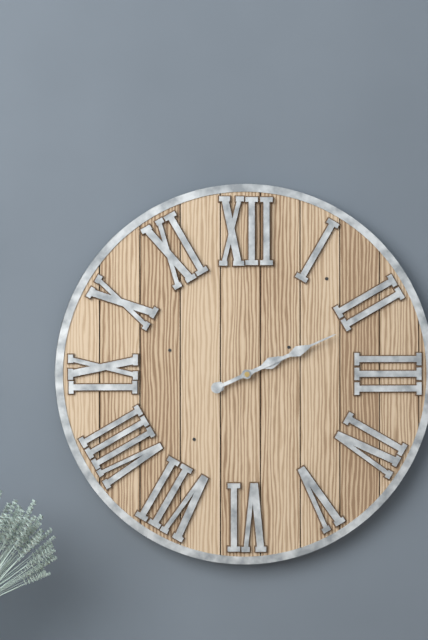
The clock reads 2.11
